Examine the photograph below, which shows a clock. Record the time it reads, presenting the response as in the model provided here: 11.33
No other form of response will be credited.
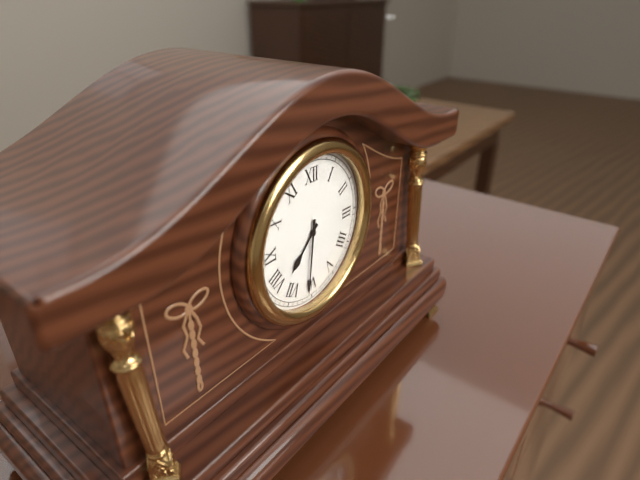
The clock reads 7.31
